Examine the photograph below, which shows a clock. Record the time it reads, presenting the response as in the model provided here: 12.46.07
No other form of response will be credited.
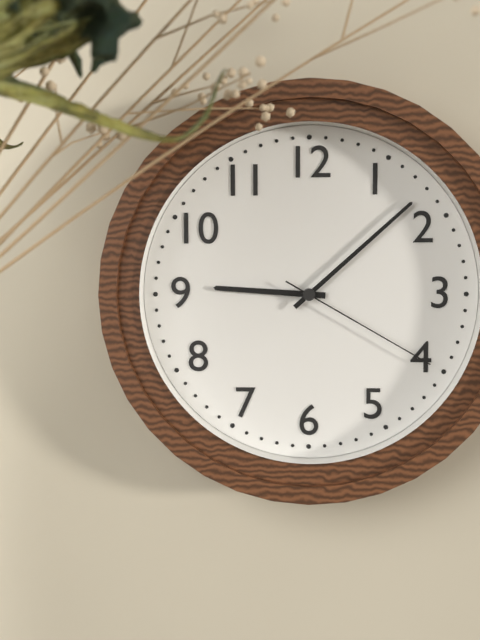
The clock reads 9.08.20
